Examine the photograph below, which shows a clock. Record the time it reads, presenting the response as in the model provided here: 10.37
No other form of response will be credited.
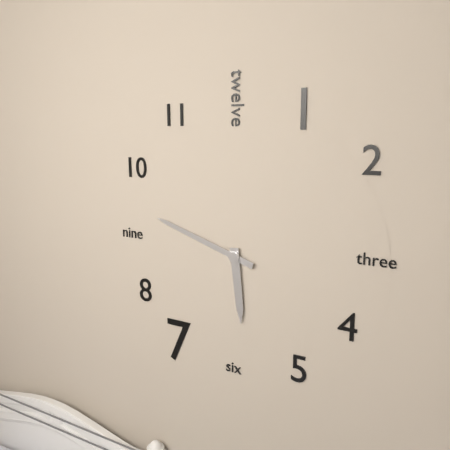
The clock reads 5.48
